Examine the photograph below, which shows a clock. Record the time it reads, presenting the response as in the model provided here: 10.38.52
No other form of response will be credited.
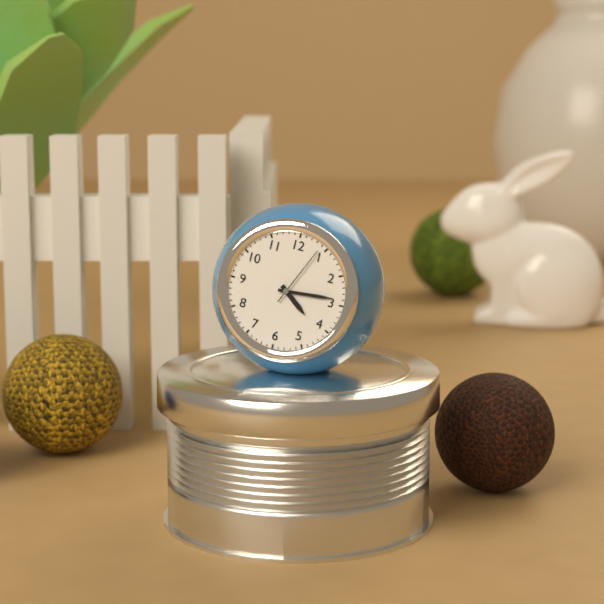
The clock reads 4.14.04
